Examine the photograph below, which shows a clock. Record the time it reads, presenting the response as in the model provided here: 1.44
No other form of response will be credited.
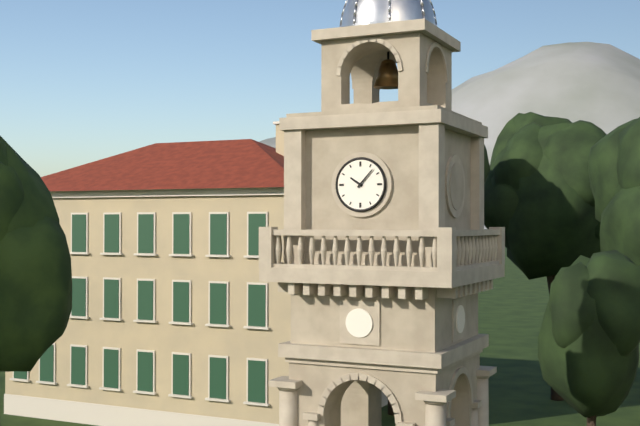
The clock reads 10.07
